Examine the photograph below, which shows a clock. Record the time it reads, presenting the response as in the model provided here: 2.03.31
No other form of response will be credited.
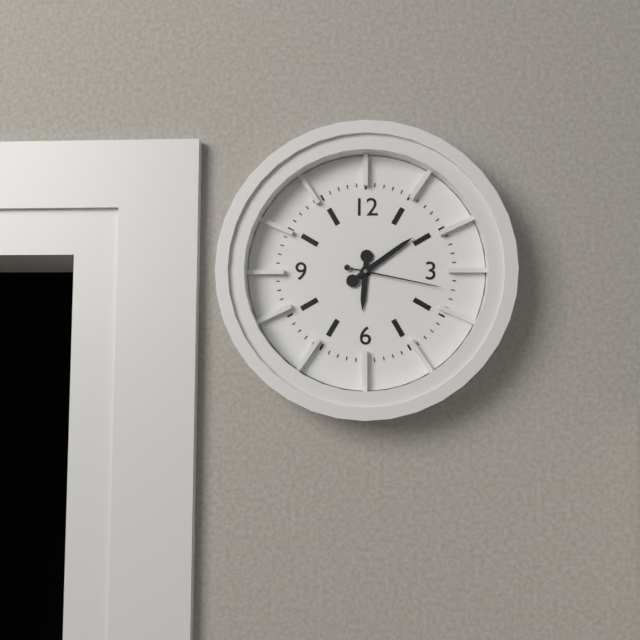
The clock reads 6.09.17
